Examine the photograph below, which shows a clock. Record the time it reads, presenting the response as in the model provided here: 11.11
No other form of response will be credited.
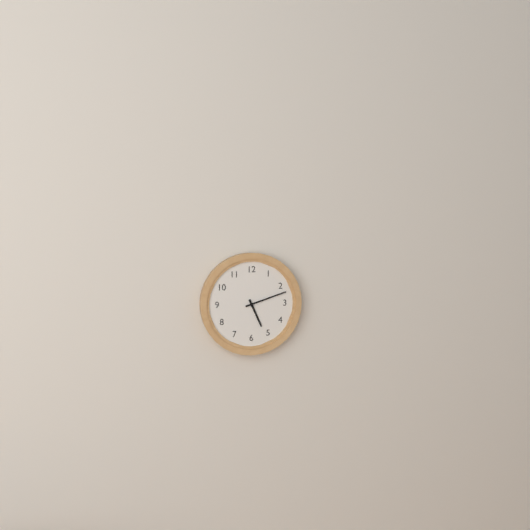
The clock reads 5.12
